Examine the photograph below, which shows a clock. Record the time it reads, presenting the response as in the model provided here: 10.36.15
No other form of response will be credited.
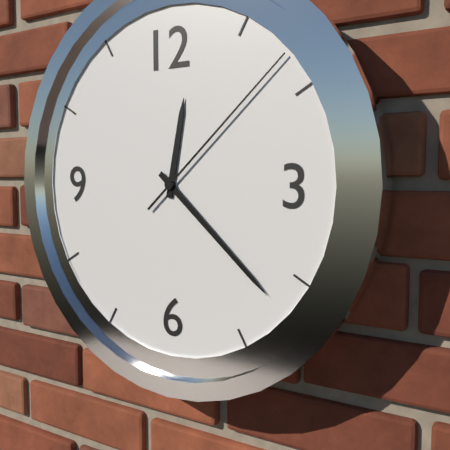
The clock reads 12.22.08
